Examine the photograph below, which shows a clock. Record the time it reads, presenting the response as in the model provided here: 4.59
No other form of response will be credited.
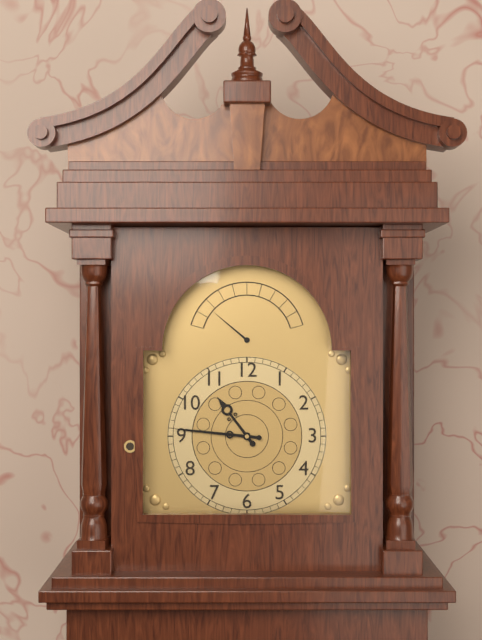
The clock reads 10.46
